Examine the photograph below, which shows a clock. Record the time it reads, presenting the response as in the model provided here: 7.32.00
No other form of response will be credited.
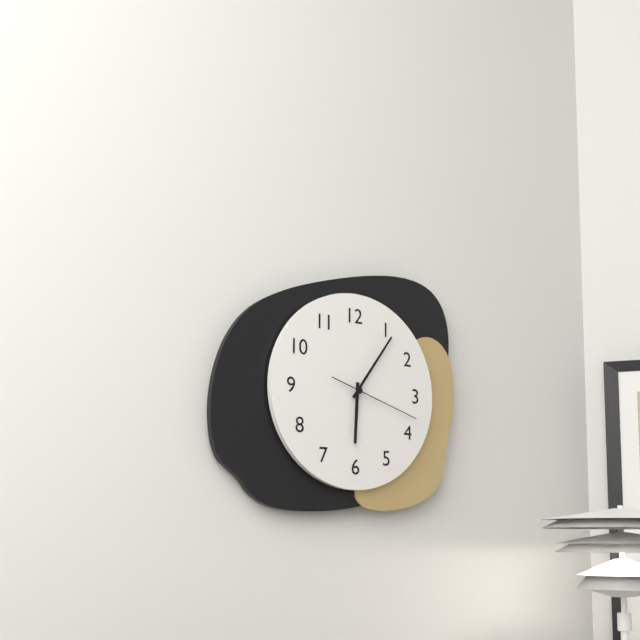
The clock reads 6.06.18
